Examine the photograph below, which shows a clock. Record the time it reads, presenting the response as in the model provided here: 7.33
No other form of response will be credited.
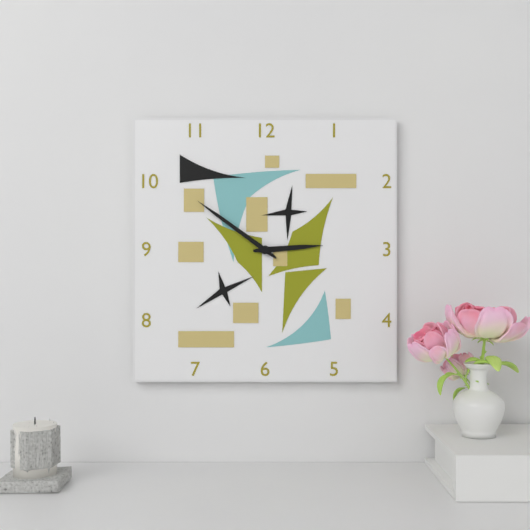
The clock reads 2.51
